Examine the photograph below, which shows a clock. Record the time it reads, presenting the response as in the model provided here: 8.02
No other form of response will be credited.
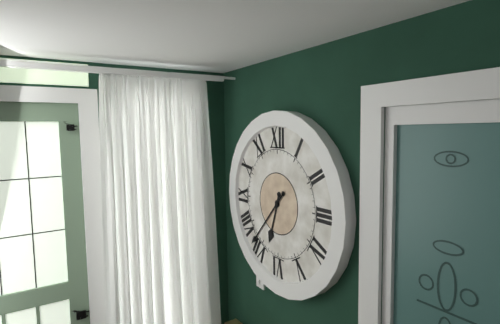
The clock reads 6.37
